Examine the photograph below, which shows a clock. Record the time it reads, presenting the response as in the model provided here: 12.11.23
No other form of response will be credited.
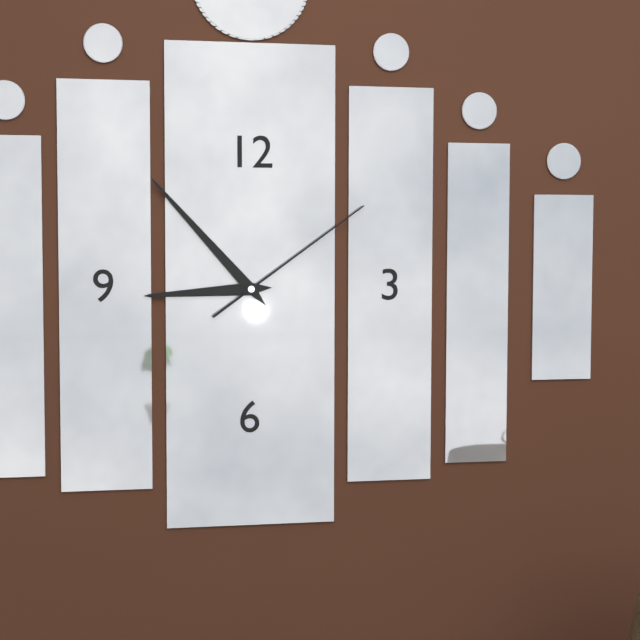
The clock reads 8.53.09
